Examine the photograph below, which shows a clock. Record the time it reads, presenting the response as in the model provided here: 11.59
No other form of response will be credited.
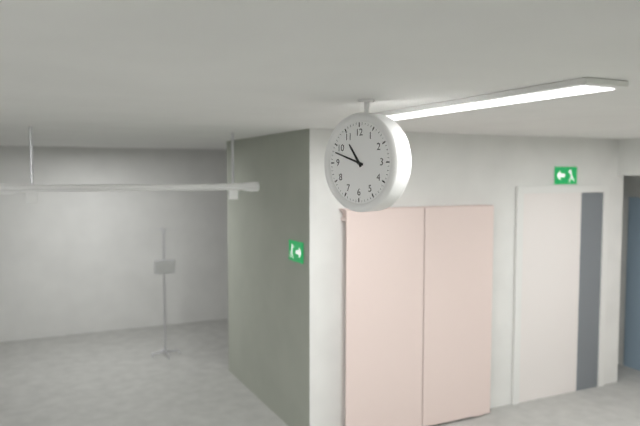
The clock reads 10.48
